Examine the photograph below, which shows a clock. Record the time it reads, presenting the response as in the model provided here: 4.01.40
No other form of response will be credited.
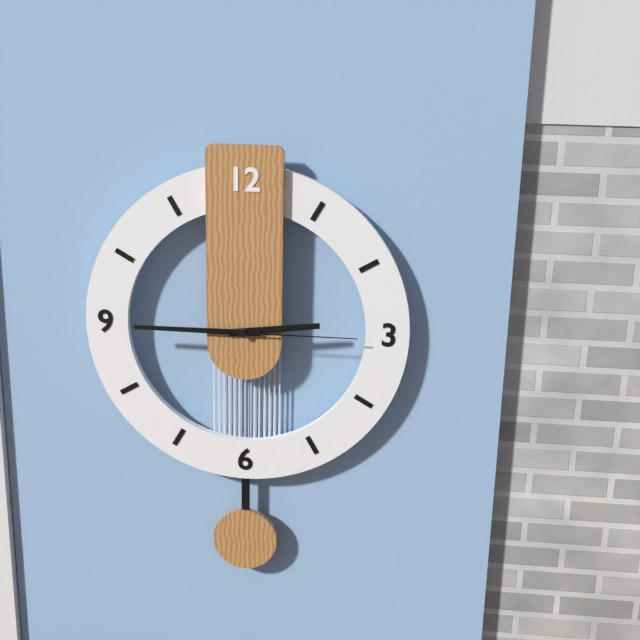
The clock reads 2.45.15
